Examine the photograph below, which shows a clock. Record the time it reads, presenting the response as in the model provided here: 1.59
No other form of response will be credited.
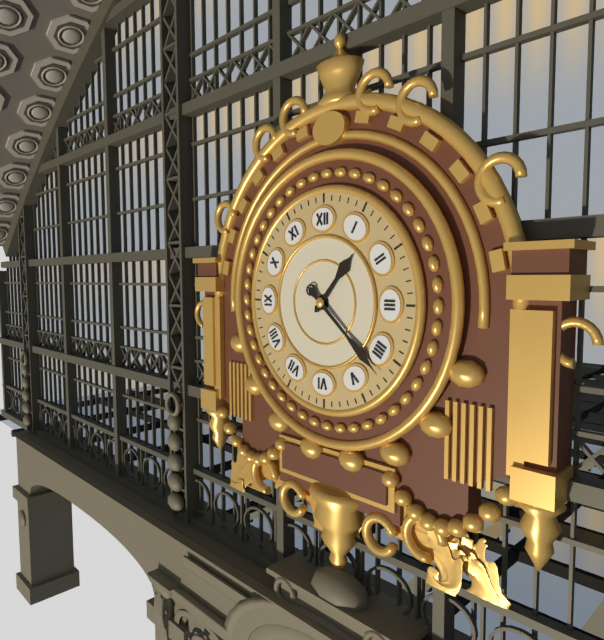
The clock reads 1.22
